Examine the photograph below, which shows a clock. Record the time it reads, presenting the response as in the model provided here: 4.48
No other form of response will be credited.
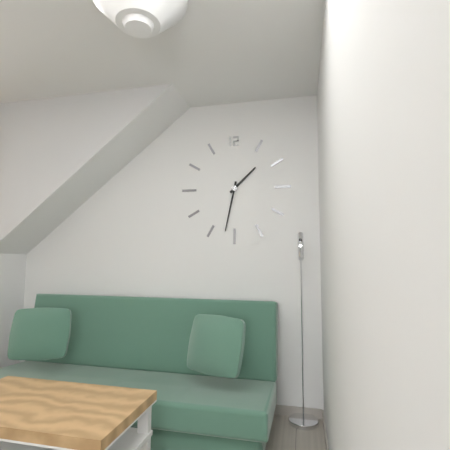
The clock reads 1.32
